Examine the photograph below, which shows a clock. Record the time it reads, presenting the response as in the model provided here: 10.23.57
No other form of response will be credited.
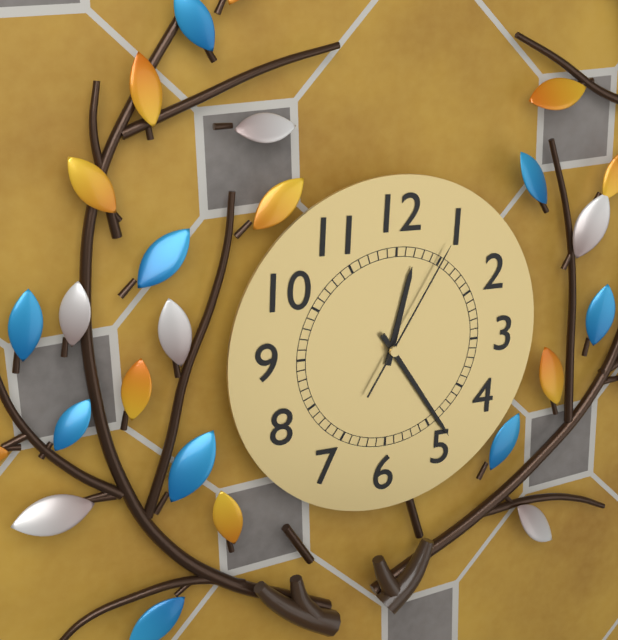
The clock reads 12.24.05
